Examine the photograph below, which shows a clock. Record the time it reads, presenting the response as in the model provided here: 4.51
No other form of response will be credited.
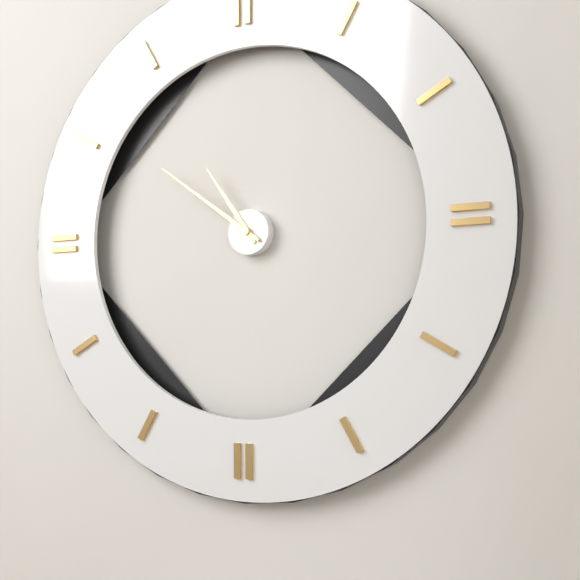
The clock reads 10.51
